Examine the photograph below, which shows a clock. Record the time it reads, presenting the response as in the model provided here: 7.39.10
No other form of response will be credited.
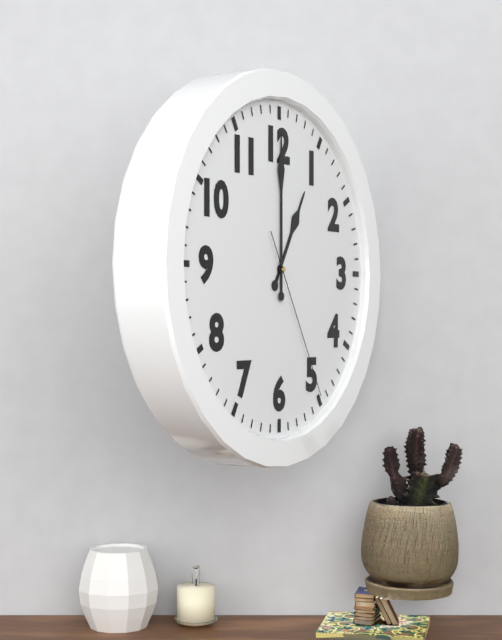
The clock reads 1.00.25
